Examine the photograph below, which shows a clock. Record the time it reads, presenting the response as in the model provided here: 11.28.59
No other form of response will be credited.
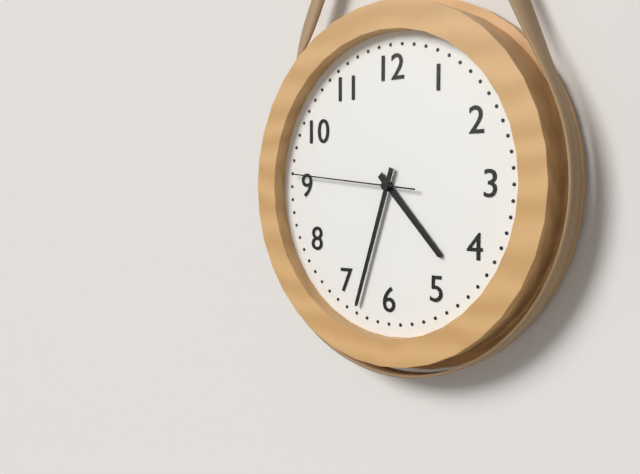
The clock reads 4.33.46
